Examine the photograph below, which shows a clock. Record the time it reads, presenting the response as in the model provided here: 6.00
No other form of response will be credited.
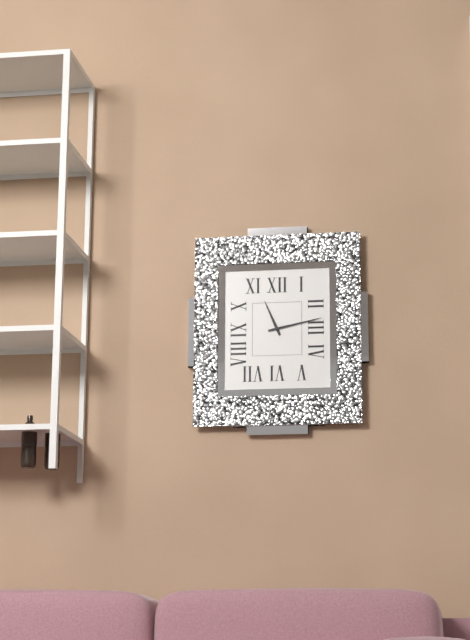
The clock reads 11.13
